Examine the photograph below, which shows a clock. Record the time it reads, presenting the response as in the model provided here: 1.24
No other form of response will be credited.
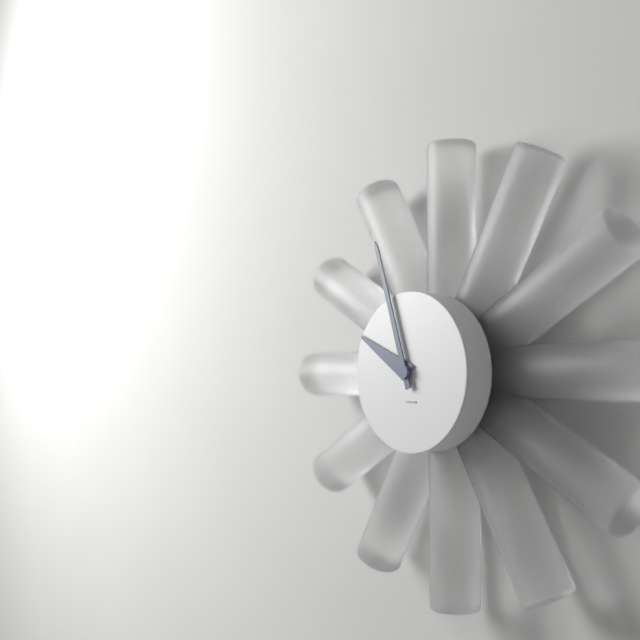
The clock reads 9.57
